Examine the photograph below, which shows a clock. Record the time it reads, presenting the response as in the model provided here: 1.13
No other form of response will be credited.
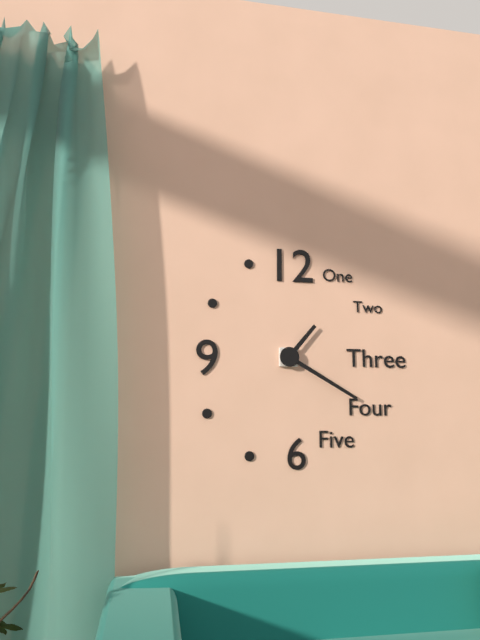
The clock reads 1.20
